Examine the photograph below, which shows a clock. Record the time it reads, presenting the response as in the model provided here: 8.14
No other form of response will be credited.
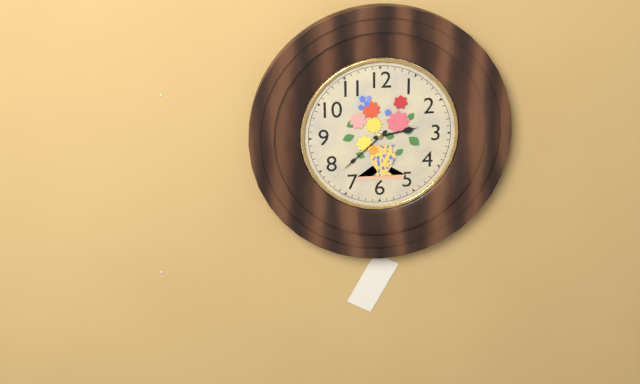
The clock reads 2.38
